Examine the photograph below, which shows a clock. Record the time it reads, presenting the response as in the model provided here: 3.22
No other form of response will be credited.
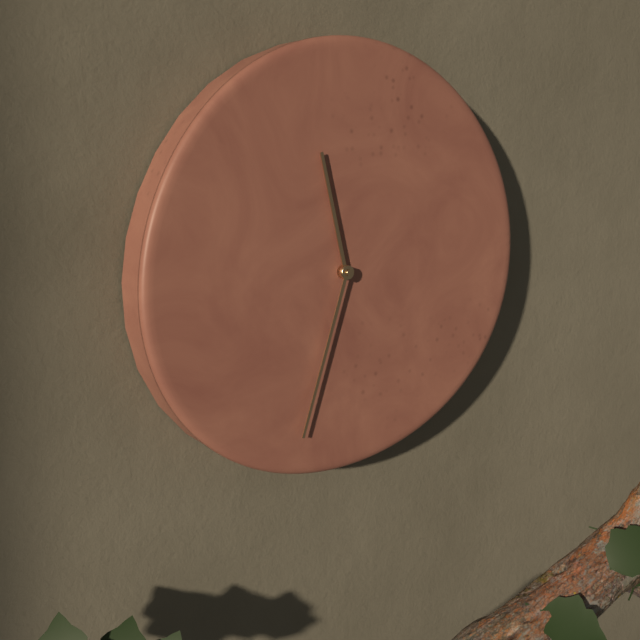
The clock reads 11.33
